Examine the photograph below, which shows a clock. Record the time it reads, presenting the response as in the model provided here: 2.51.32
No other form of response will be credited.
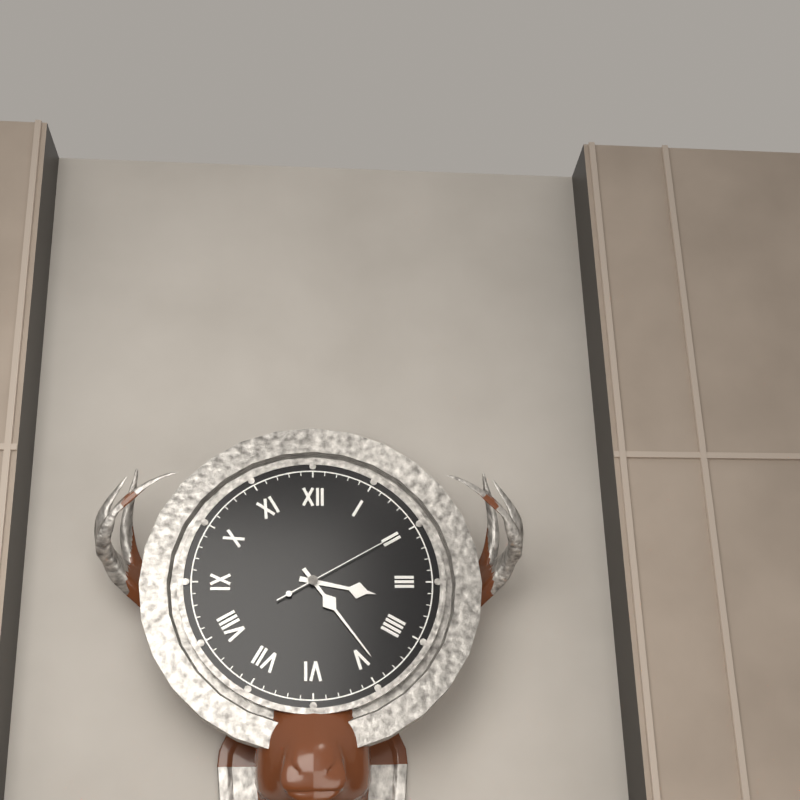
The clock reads 3.24.10
